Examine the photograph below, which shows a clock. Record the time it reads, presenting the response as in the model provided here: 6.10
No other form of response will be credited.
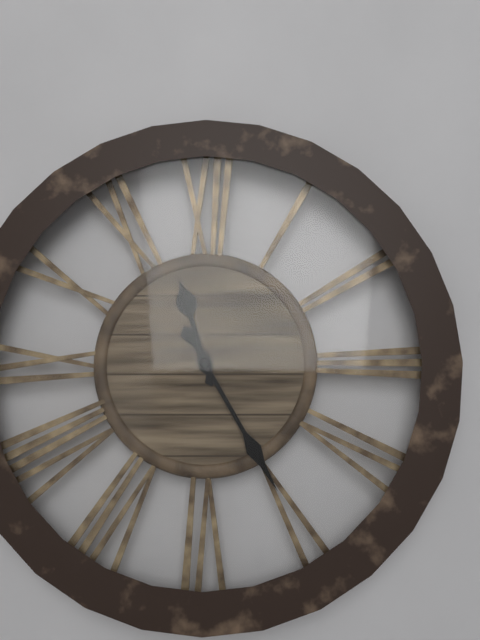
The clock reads 11.25
